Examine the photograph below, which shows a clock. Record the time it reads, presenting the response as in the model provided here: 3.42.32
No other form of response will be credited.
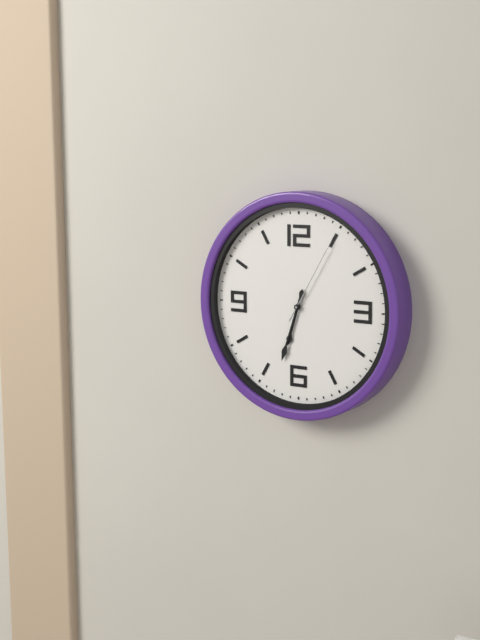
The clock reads 6.33.05
